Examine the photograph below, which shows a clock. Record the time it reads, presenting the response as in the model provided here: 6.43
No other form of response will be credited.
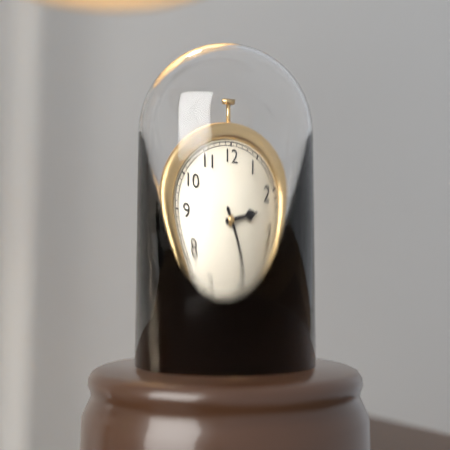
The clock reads 2.25
